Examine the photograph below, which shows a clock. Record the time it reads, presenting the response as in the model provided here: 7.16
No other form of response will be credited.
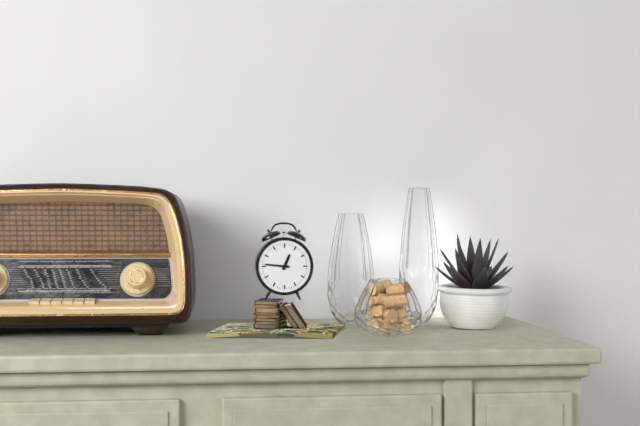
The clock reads 12.46
